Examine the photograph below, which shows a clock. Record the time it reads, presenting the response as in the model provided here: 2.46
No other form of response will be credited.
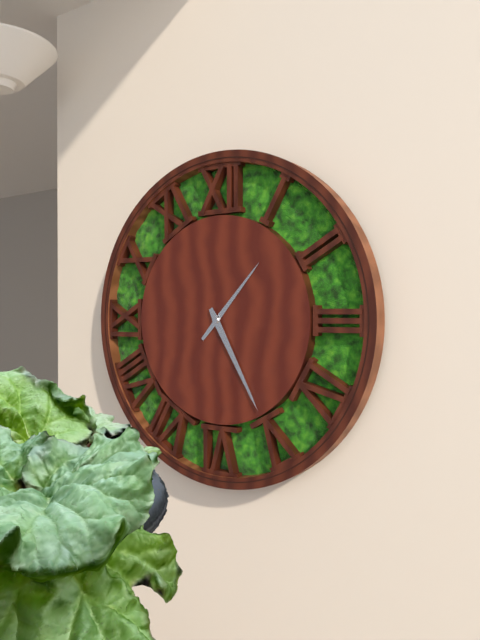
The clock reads 1.25
